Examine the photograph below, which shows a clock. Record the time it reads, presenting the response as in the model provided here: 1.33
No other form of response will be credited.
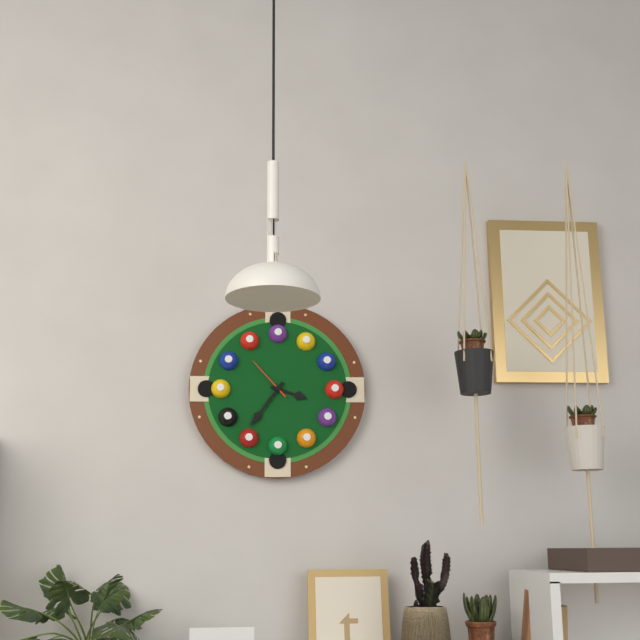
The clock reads 3.36
